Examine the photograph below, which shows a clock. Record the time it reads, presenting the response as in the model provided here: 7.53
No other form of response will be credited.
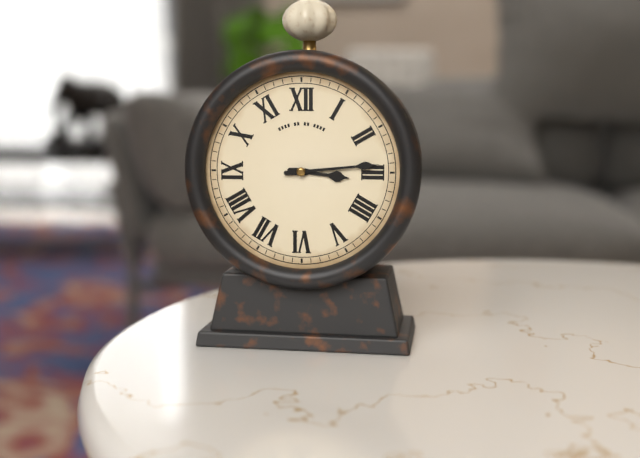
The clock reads 3.14
